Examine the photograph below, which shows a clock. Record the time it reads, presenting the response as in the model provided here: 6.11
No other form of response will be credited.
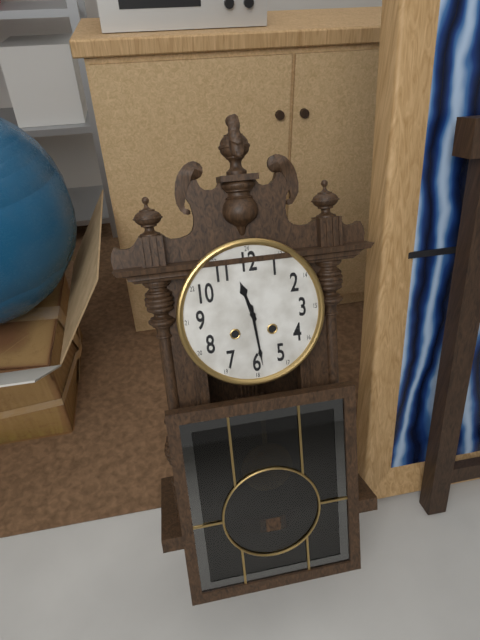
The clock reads 11.29
